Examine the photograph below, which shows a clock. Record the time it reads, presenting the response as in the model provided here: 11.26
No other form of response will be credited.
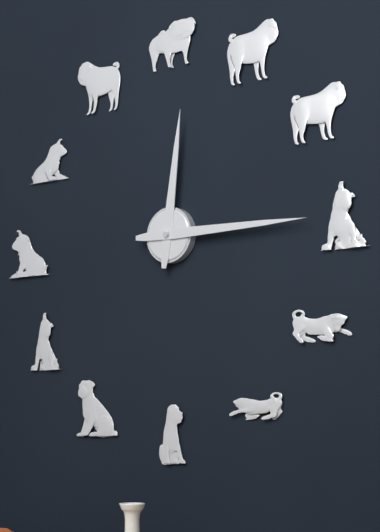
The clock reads 12.15
